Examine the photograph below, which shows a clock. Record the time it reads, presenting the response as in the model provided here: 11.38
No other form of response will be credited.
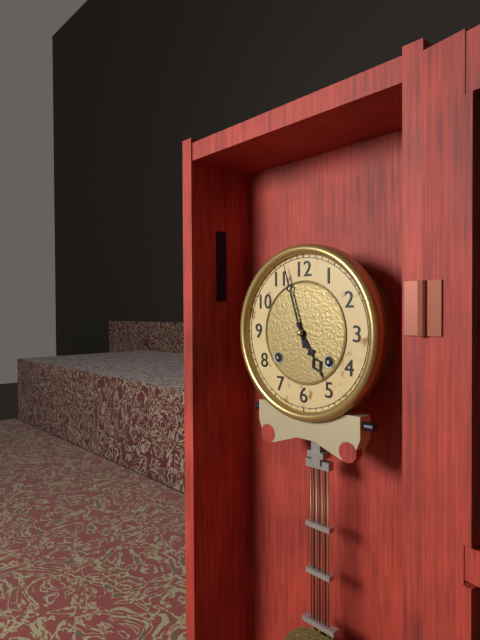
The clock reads 4.57
